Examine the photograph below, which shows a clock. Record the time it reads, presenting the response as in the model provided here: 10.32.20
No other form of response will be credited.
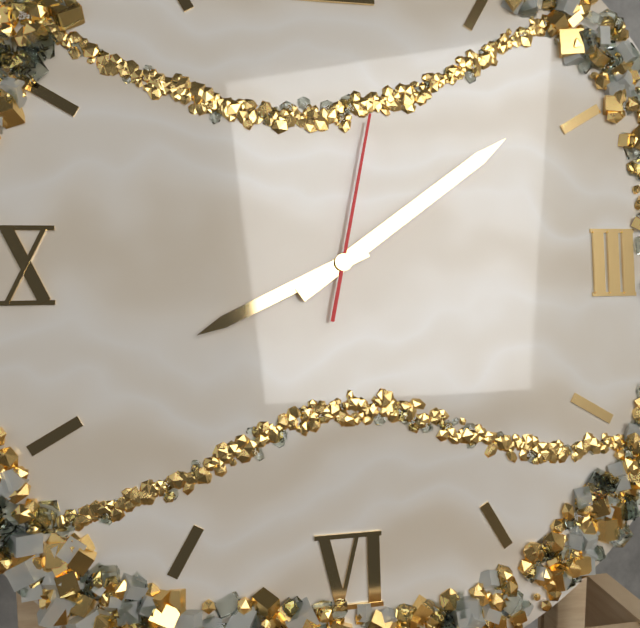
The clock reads 8.09.02
